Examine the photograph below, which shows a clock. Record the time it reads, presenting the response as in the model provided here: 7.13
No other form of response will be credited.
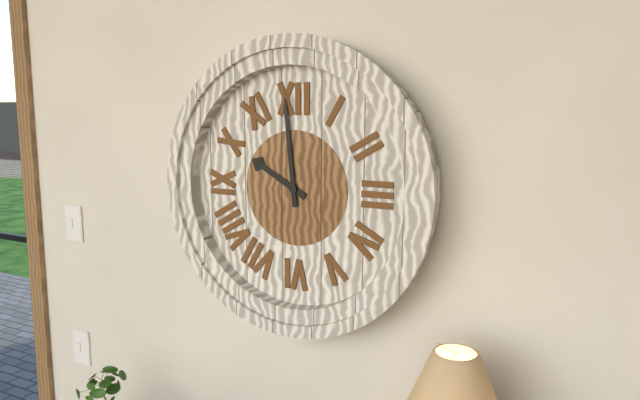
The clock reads 9.59
